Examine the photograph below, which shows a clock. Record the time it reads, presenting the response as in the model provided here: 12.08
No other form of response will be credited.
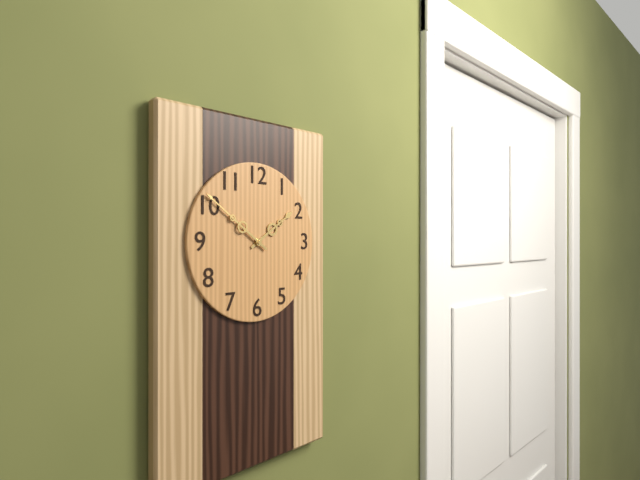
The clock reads 1.51
